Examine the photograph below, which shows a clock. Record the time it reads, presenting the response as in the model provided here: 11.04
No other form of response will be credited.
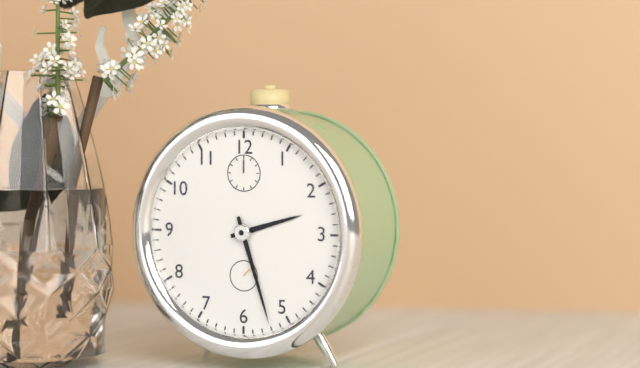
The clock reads 2.27
